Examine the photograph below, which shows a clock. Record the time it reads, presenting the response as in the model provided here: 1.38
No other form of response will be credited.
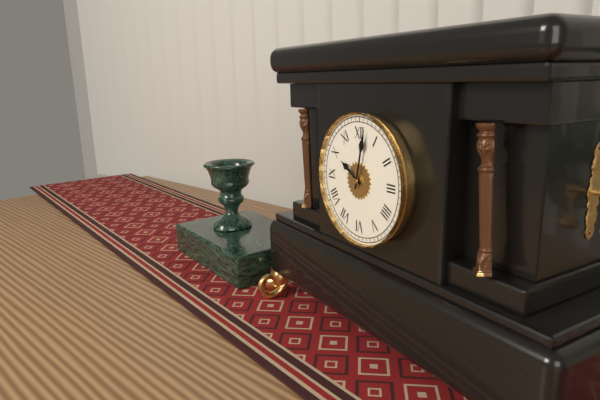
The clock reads 10.02
